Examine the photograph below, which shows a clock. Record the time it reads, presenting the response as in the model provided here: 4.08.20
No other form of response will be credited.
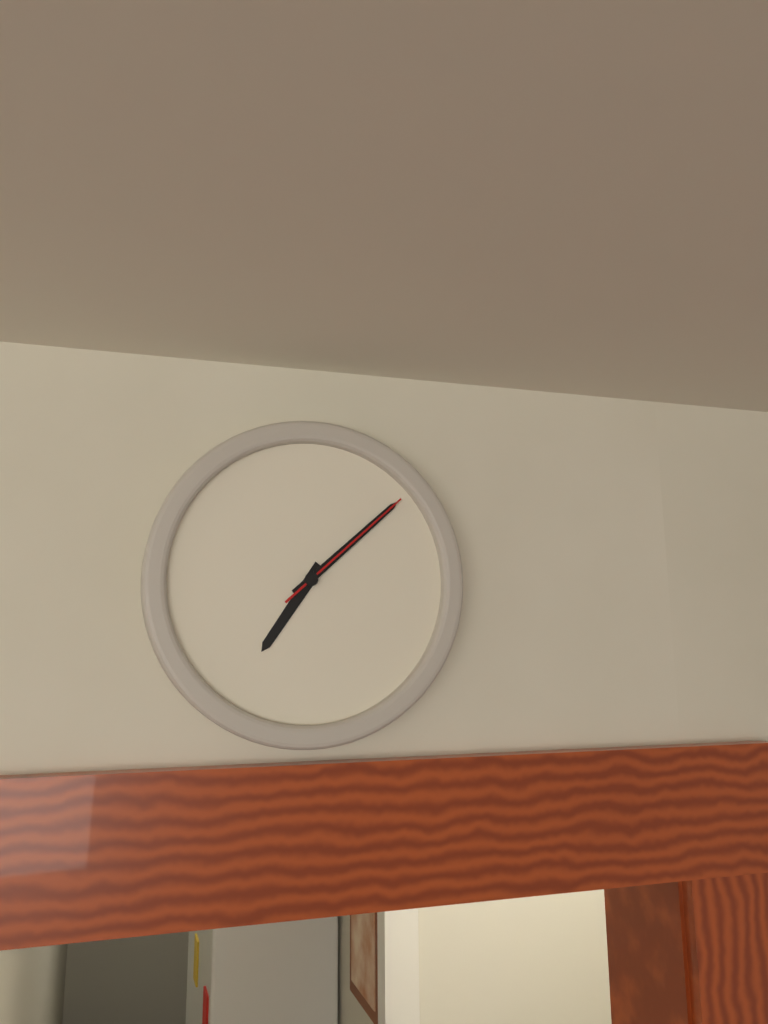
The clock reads 7.08.08
